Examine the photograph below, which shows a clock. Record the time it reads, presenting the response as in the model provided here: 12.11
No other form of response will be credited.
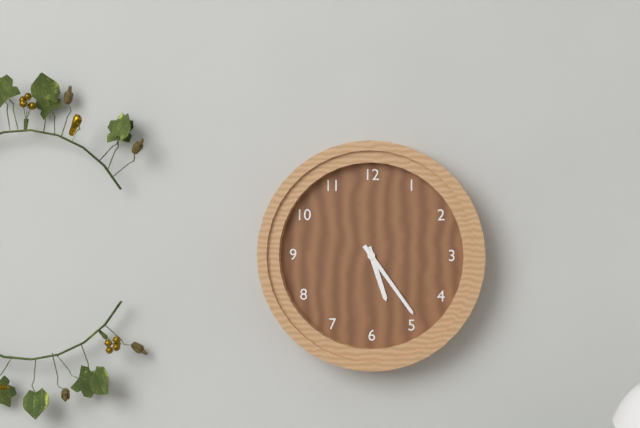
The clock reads 5.24
